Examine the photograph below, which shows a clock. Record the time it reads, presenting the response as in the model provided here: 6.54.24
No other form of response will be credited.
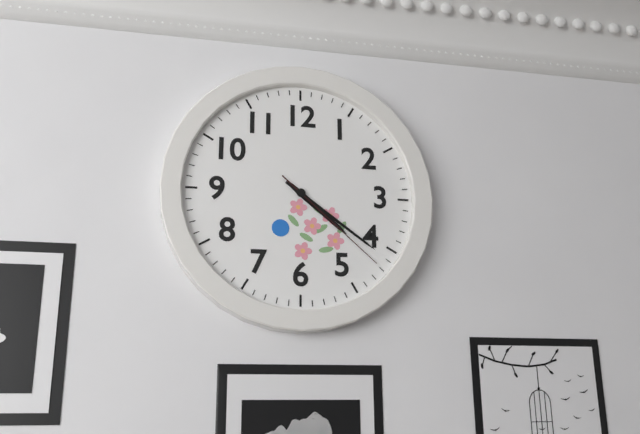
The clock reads 4.21.22
